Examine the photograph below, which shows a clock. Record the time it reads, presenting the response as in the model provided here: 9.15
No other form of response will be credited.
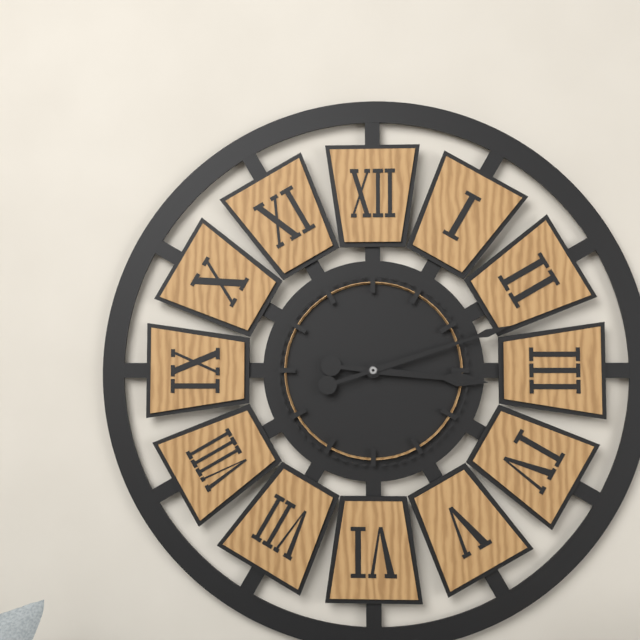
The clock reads 3.12
